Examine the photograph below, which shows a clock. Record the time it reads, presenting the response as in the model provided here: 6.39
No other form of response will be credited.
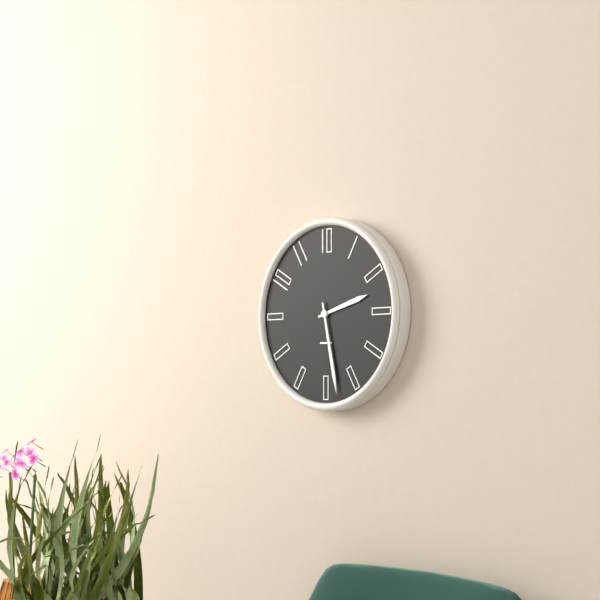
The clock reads 2.28
